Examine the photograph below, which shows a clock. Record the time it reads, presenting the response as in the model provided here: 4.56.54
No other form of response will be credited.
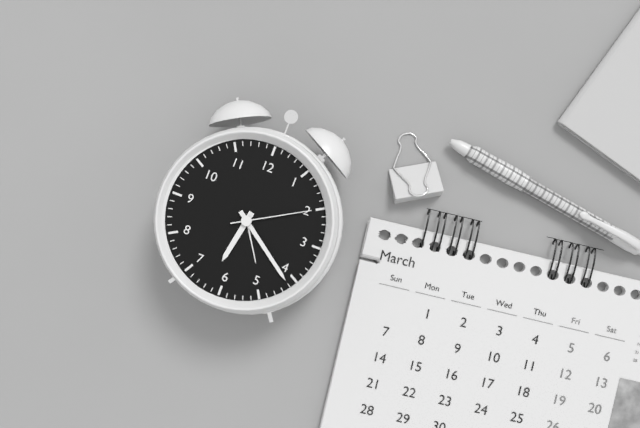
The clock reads 6.21.10
